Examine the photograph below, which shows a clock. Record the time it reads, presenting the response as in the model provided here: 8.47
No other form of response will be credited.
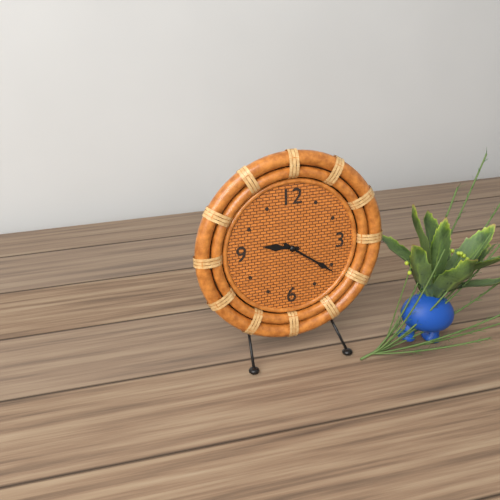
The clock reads 9.21
